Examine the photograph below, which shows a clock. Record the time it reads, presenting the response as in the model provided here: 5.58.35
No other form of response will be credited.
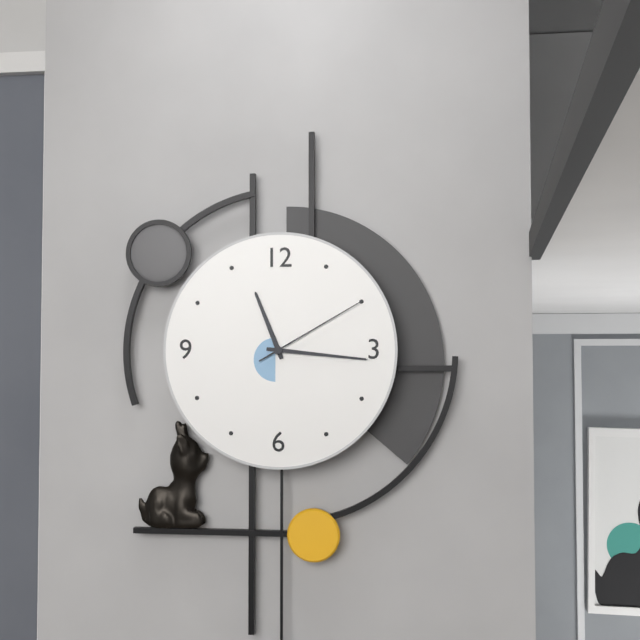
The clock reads 11.16.10
